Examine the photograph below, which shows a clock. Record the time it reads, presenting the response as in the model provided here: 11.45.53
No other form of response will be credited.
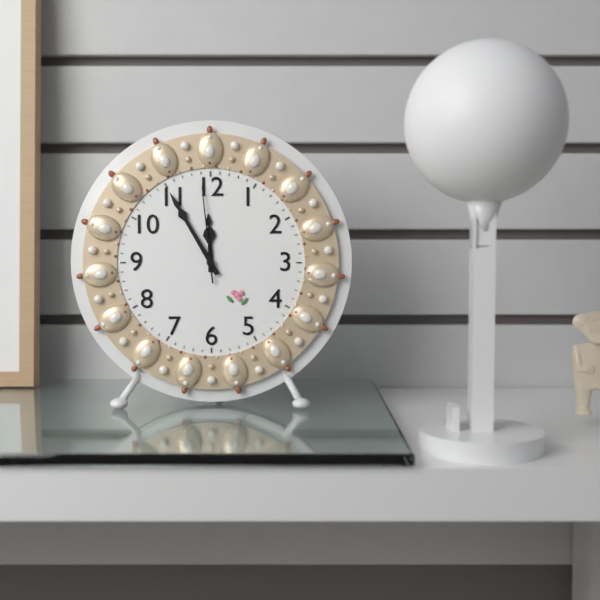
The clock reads 11.55.59
